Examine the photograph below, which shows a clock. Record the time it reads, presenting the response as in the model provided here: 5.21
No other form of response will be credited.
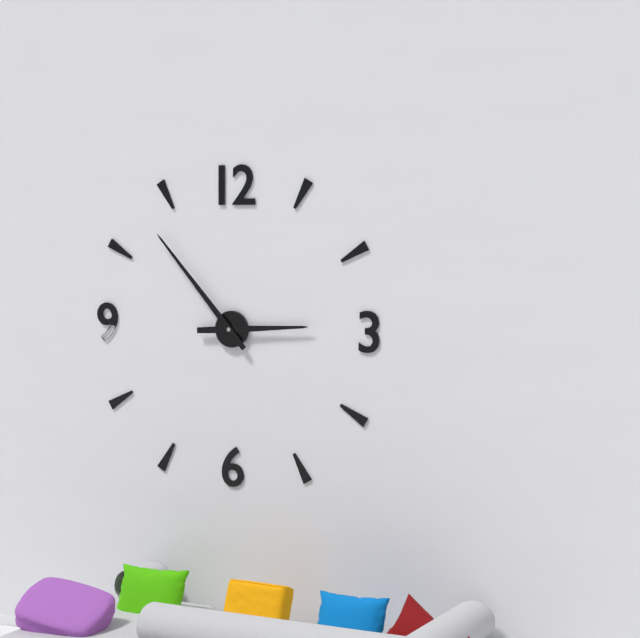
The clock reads 2.53
